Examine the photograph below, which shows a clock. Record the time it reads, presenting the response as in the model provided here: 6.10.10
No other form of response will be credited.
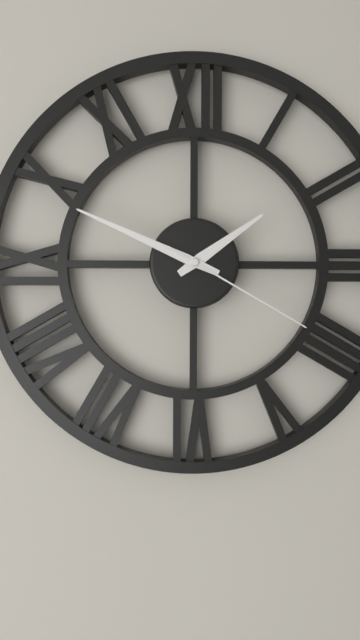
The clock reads 1.49.20
